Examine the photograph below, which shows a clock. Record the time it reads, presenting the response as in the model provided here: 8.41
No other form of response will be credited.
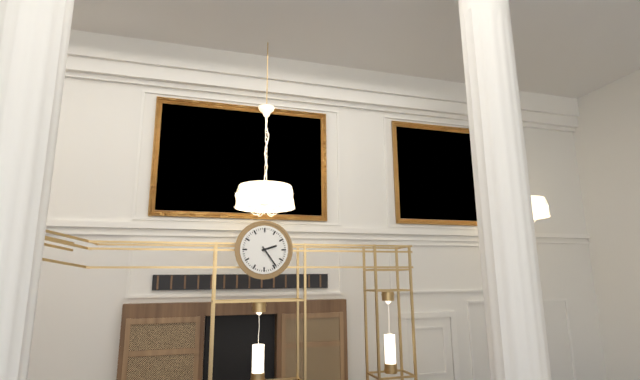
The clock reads 2.24
